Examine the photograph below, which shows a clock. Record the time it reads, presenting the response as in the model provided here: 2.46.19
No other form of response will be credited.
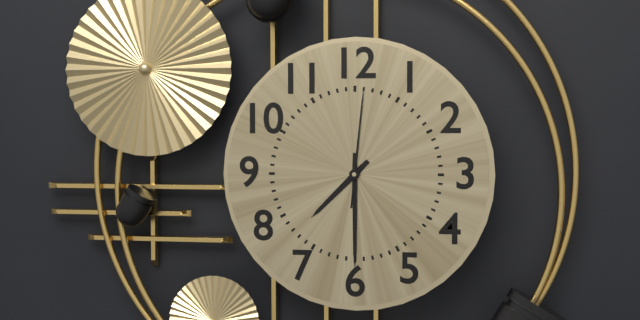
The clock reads 7.30.01
